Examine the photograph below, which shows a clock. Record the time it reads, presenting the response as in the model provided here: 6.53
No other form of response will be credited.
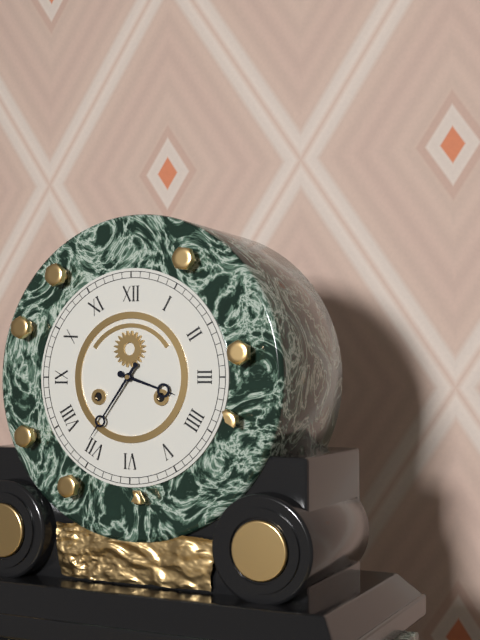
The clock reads 3.36
